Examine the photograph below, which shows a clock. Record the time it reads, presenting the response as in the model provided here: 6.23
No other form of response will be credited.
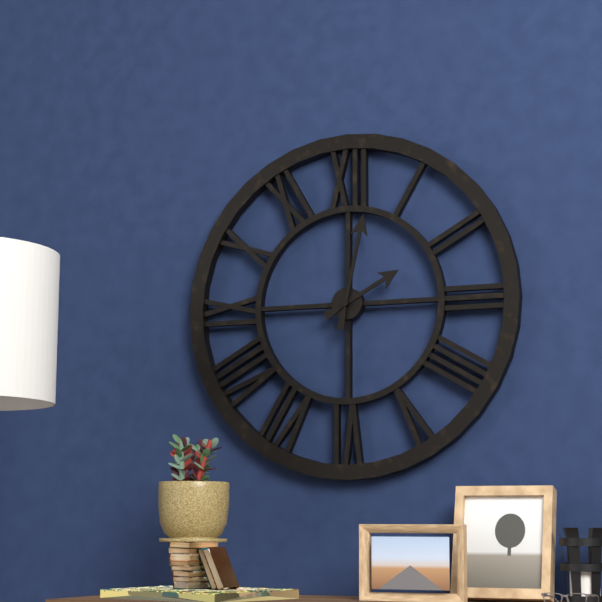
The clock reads 2.02
